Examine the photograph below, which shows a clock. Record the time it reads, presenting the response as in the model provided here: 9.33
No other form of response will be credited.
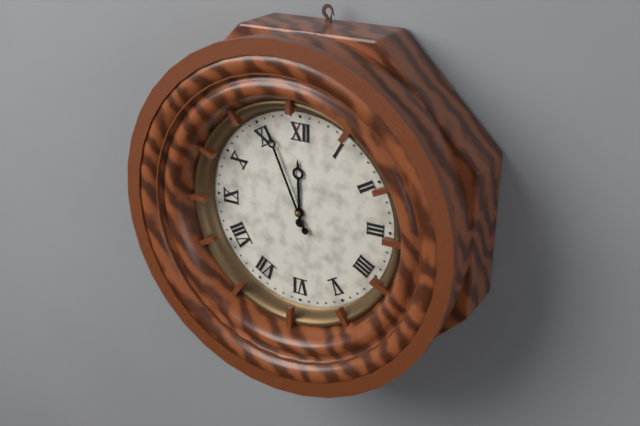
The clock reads 11.56
